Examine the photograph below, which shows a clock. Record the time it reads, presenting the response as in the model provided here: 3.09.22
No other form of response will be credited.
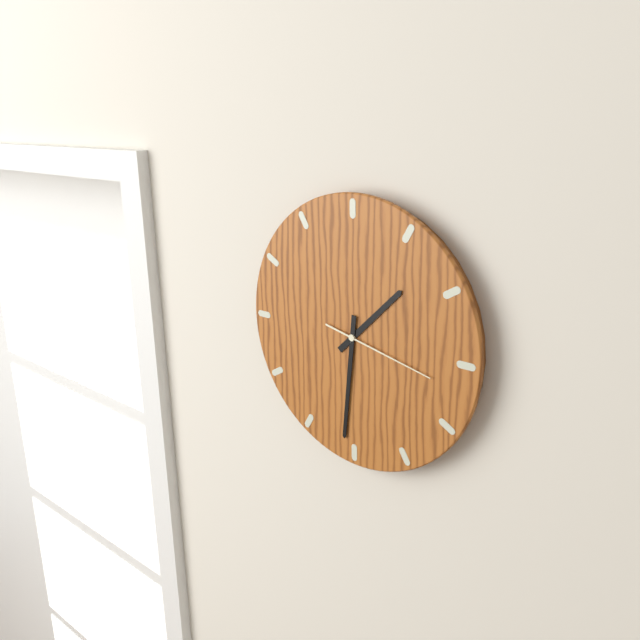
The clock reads 1.31.17
